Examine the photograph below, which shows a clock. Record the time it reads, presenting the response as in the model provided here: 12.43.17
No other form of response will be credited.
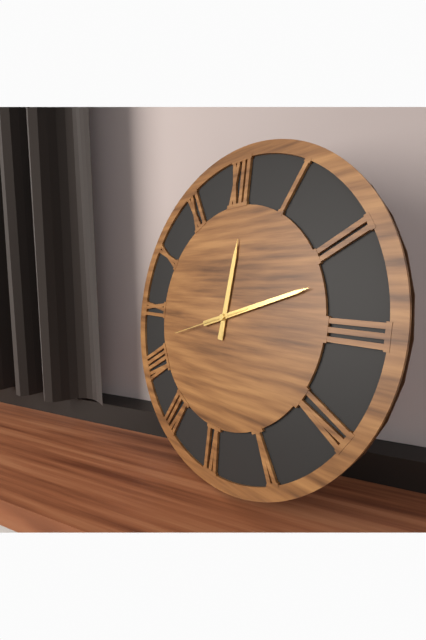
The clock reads 12.12.42
